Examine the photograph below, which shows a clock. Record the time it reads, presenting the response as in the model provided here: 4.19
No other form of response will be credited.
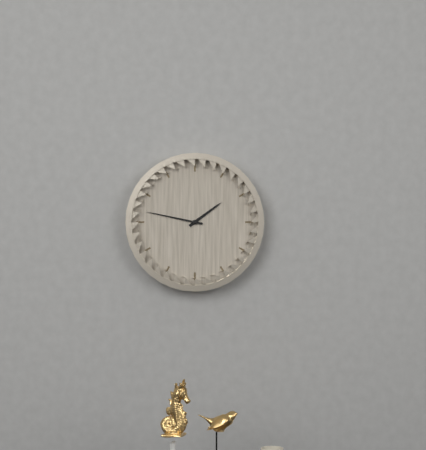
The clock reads 1.47
